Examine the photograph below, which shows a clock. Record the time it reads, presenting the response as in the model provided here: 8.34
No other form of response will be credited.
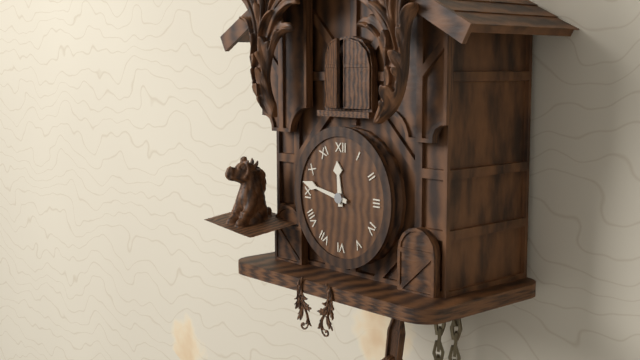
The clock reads 11.47
